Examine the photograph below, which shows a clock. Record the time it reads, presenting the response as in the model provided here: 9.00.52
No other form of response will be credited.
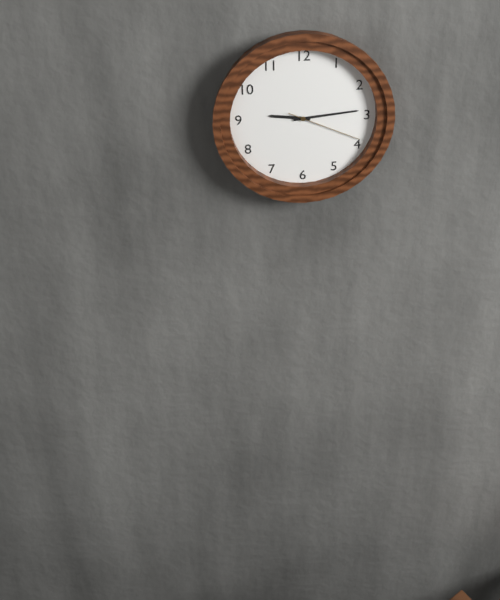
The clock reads 9.14.19
